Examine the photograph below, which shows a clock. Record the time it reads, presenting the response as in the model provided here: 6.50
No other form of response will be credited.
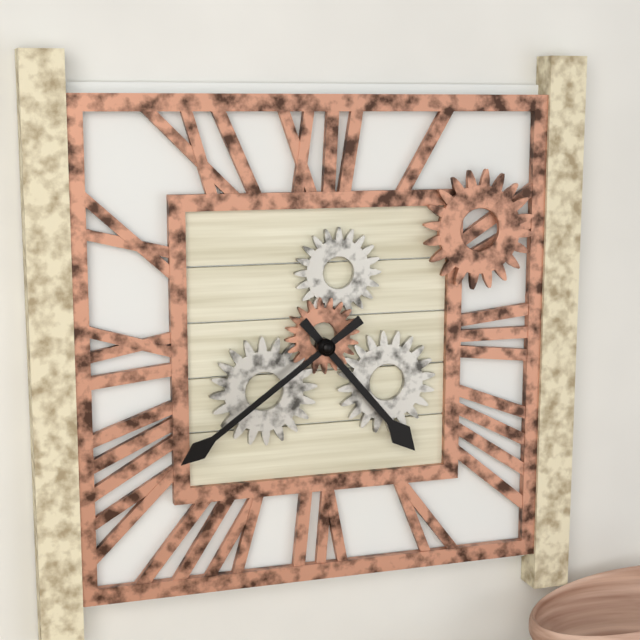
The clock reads 4.39
